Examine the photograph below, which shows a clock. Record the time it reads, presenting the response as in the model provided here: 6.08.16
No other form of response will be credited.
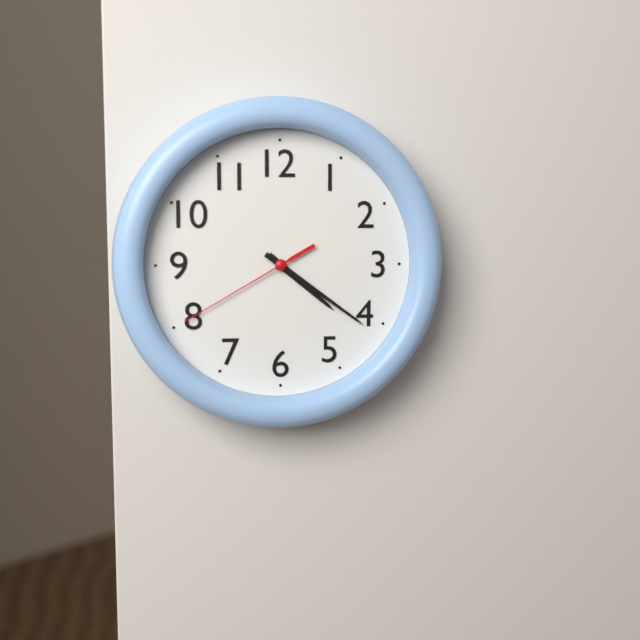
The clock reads 4.21.40
